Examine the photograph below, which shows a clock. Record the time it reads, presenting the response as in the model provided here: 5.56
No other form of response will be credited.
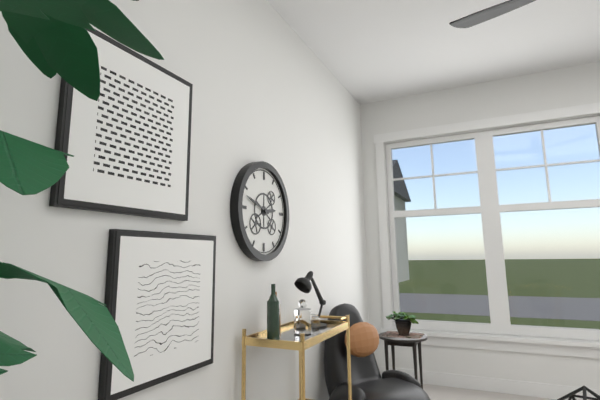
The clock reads 2.48
